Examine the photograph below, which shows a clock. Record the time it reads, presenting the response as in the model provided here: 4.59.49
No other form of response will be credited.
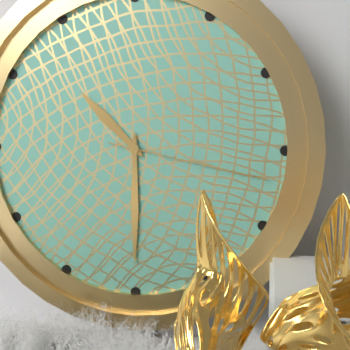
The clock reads 10.30.17
